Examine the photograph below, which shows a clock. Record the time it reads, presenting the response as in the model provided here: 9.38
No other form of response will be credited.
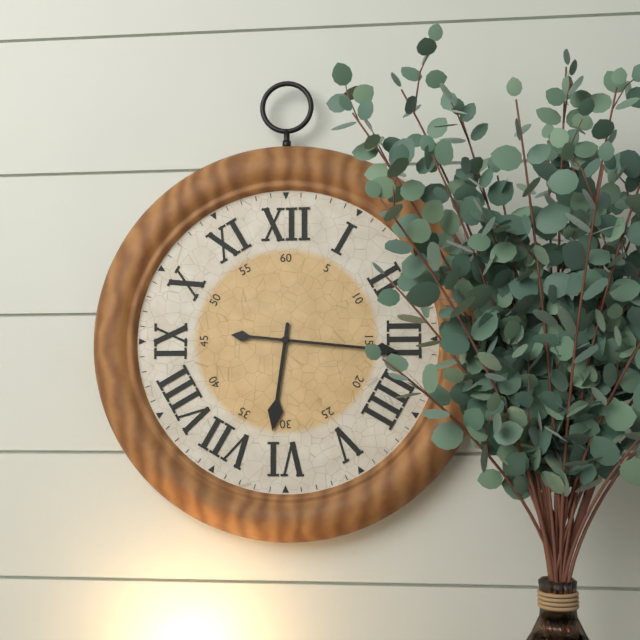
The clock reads 6.16
